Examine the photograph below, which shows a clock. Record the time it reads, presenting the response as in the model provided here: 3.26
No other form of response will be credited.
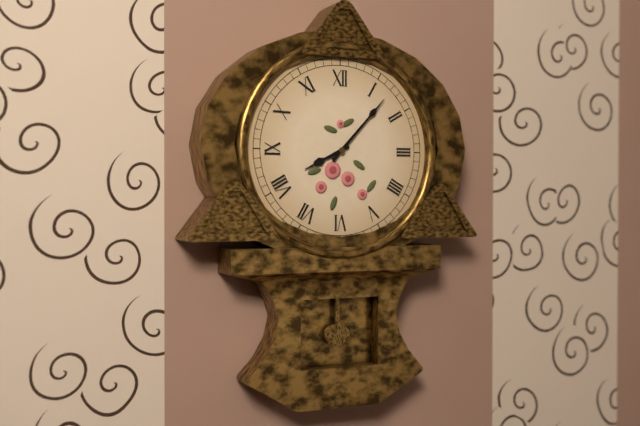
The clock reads 8.07
